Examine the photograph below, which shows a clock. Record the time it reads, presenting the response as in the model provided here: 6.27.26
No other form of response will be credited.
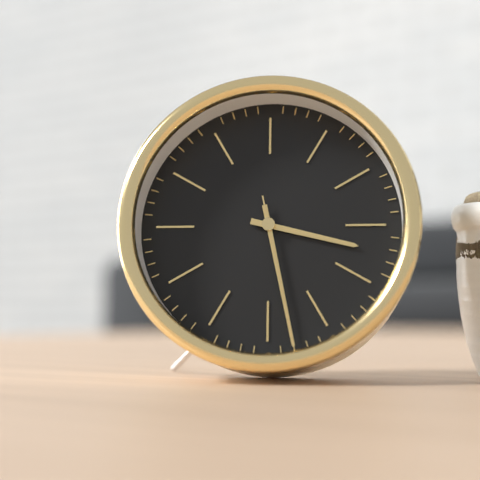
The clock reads 3.28.28
